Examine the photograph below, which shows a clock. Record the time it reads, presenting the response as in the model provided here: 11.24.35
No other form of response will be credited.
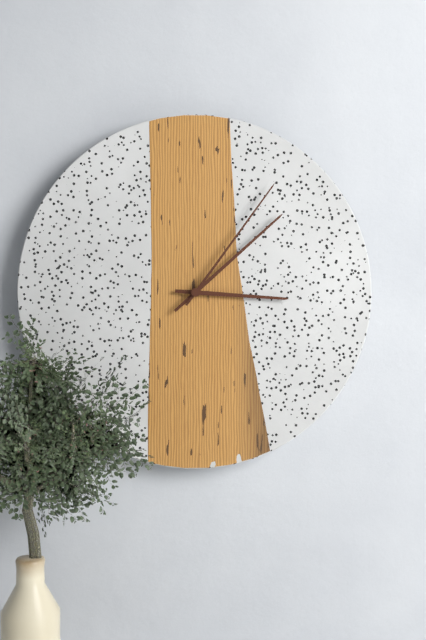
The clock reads 3.08.06
